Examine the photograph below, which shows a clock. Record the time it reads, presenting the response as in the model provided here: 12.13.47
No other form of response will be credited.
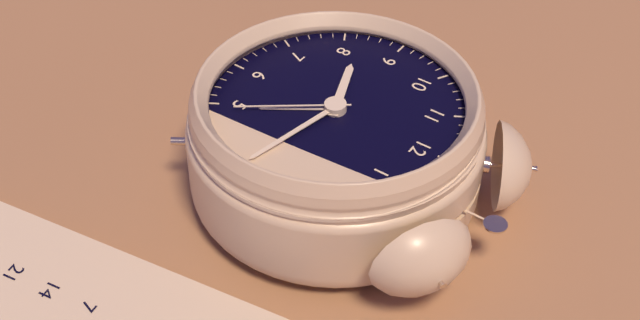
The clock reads 8.17.24
